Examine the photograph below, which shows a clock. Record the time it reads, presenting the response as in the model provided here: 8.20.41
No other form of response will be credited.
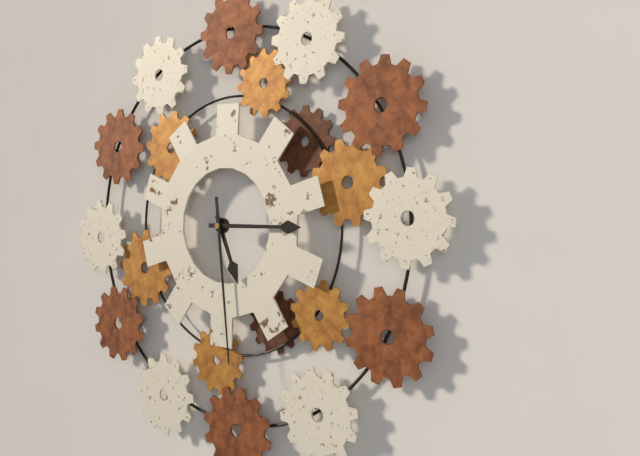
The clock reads 5.15.29
